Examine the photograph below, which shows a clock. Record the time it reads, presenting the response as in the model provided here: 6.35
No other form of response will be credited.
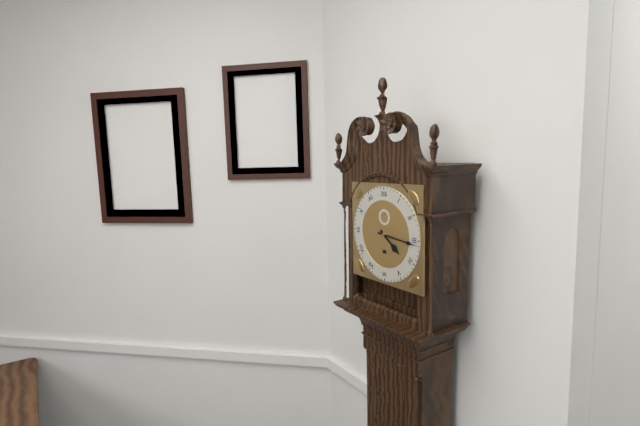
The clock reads 4.16
